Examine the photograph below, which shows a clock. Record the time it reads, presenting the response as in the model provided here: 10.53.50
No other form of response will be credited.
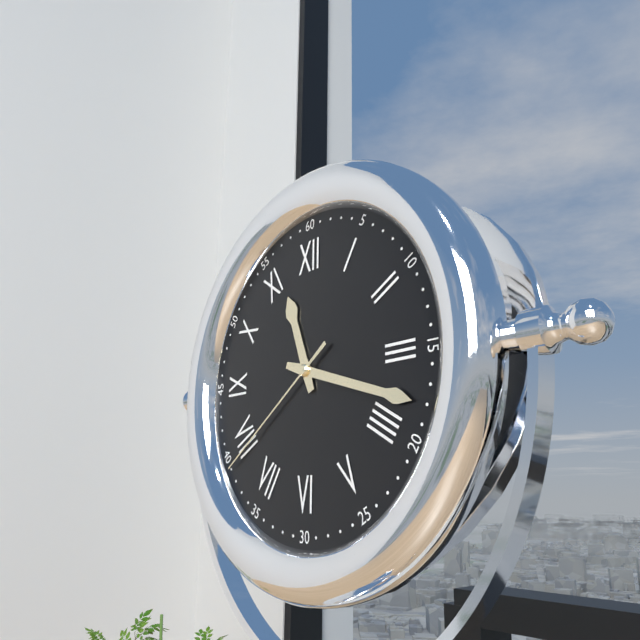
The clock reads 11.18.39
